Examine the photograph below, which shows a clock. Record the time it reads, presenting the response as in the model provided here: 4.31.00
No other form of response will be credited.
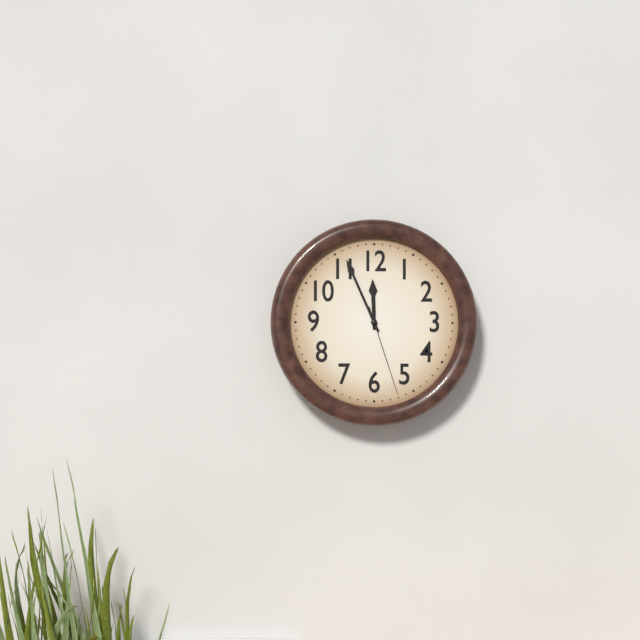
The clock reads 11.56.27
